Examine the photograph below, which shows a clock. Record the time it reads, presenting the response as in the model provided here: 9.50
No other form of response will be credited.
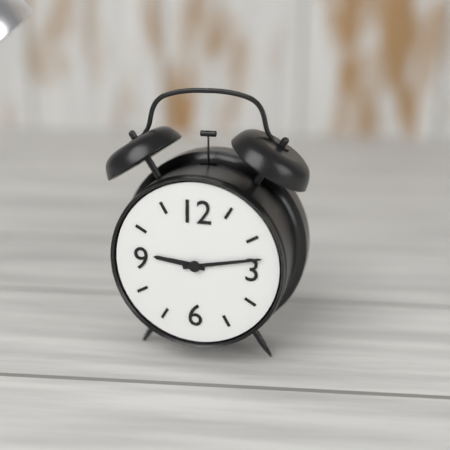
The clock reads 9.13
